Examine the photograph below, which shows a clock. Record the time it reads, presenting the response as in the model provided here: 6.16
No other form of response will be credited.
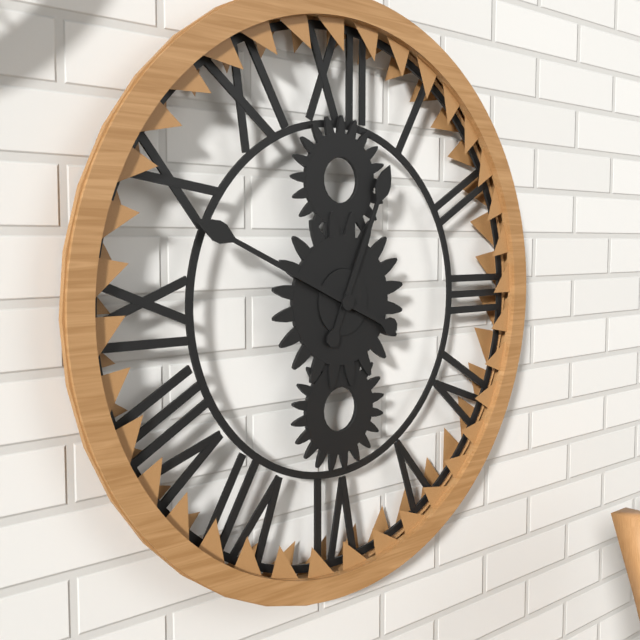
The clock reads 12.49
